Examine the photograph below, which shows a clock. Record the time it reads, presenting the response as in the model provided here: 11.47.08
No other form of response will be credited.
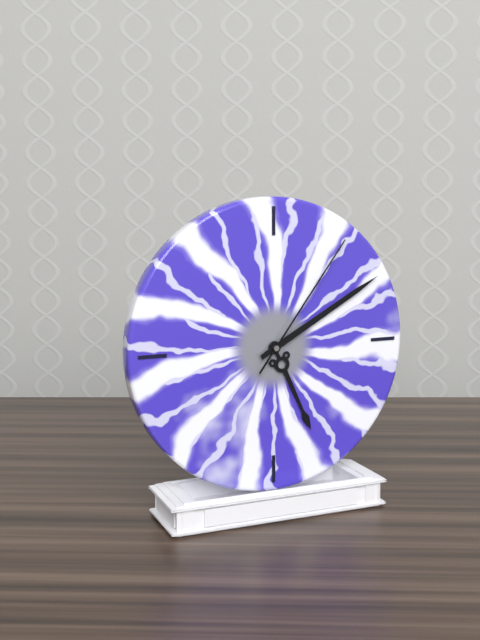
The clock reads 5.10.06
